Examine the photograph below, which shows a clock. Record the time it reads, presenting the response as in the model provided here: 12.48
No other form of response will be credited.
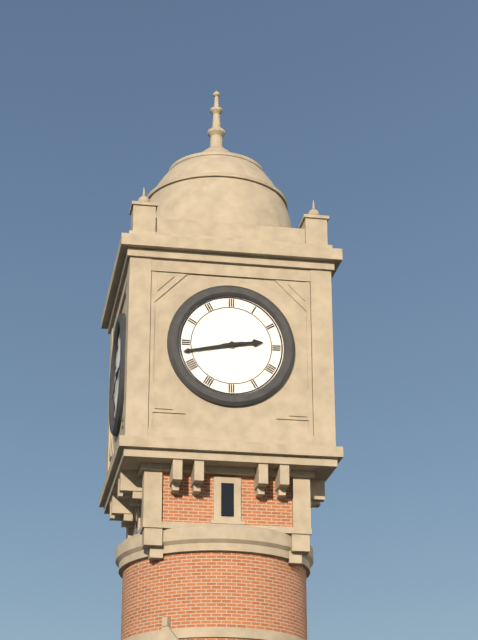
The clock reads 2.43
